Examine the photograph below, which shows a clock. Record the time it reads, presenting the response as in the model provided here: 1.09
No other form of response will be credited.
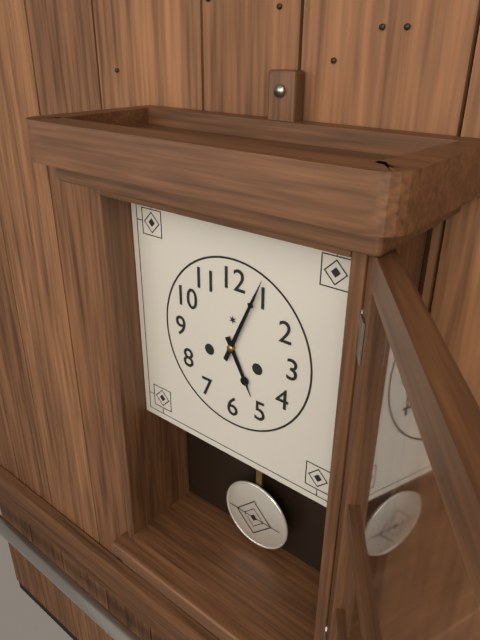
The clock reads 5.04
